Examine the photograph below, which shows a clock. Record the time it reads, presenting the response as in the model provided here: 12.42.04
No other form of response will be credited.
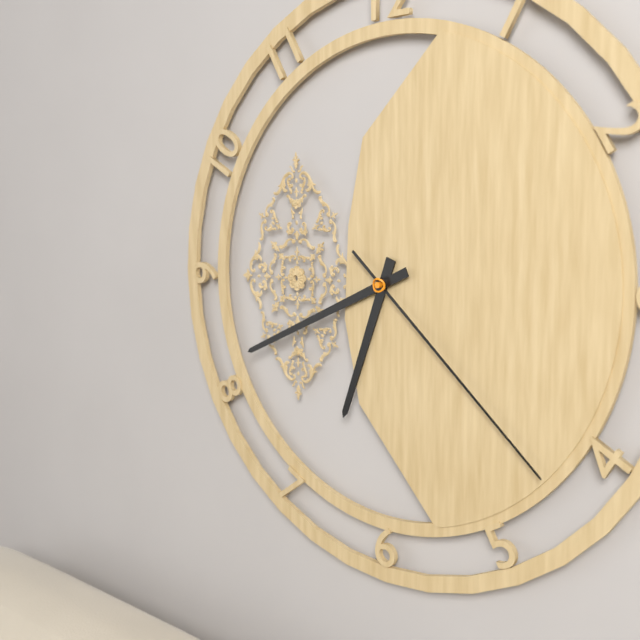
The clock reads 6.41.22
